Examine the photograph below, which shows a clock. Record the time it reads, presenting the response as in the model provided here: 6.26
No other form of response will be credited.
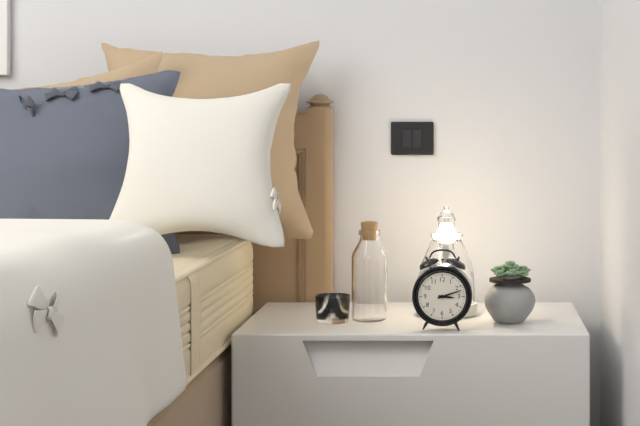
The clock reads 3.12
